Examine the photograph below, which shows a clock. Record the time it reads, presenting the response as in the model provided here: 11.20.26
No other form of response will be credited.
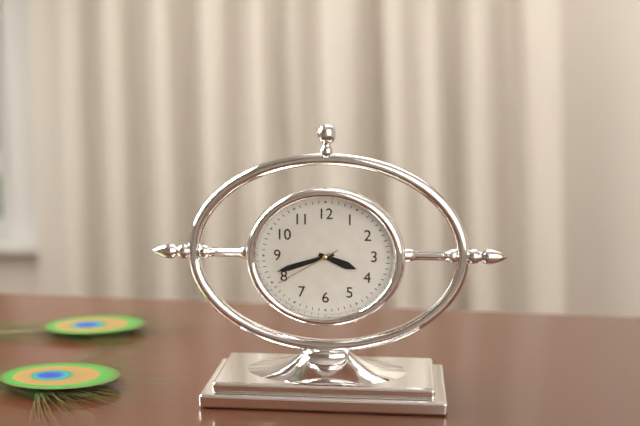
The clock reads 3.42.40
